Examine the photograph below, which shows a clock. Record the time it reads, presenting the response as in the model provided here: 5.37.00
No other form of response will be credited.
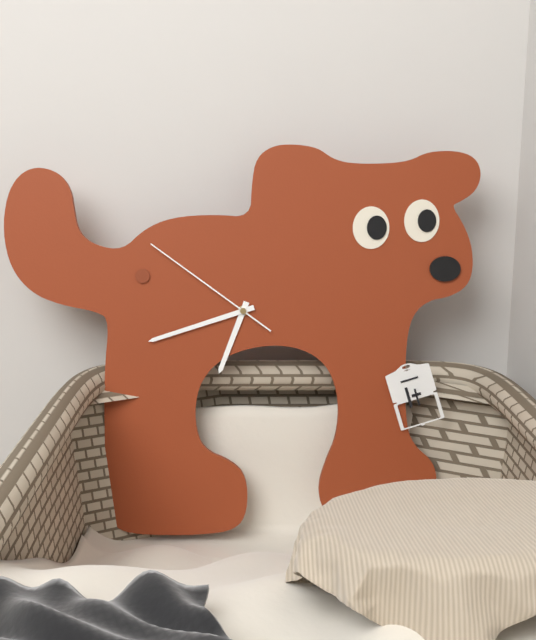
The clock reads 6.42.51
